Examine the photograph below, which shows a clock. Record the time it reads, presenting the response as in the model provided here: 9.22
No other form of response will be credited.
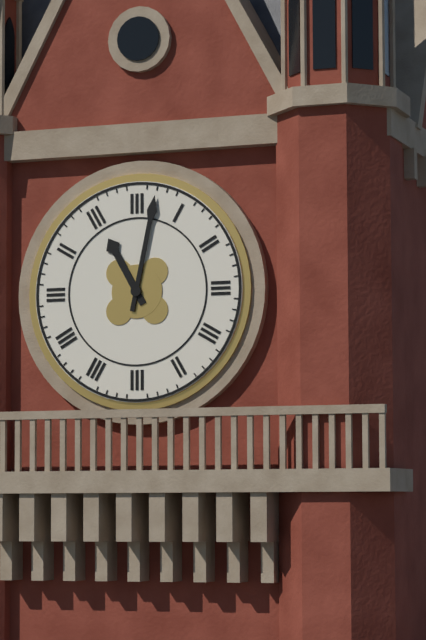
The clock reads 11.02
